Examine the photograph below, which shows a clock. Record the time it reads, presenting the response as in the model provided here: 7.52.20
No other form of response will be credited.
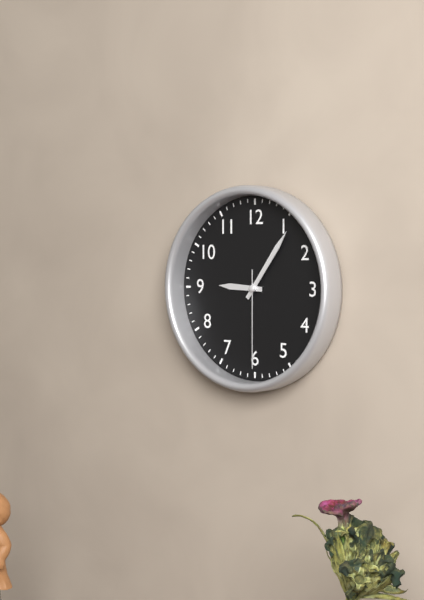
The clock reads 9.06.30
